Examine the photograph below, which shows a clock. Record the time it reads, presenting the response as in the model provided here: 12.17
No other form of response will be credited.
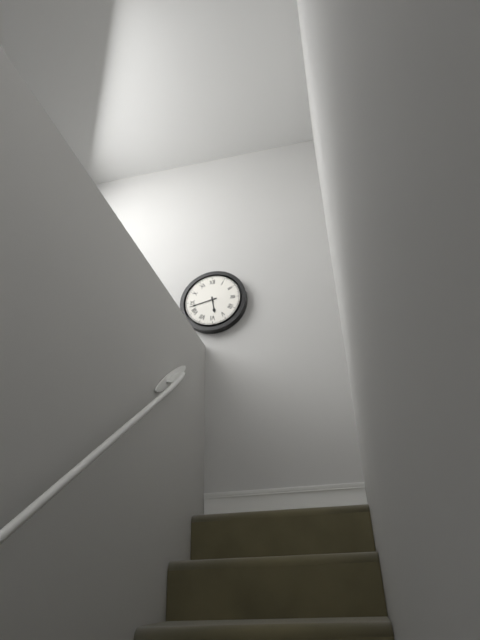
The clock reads 5.43
